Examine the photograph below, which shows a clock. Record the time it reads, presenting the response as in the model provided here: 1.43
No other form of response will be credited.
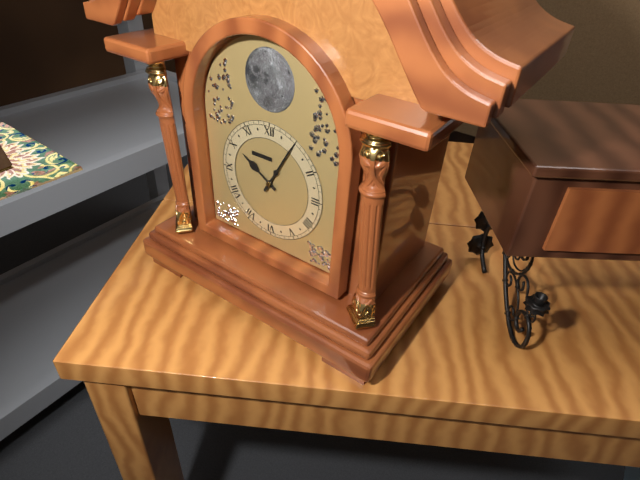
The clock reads 10.05
